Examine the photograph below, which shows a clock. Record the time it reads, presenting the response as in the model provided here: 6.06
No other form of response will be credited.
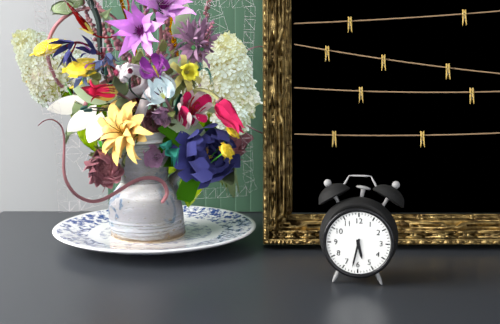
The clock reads 5.32
